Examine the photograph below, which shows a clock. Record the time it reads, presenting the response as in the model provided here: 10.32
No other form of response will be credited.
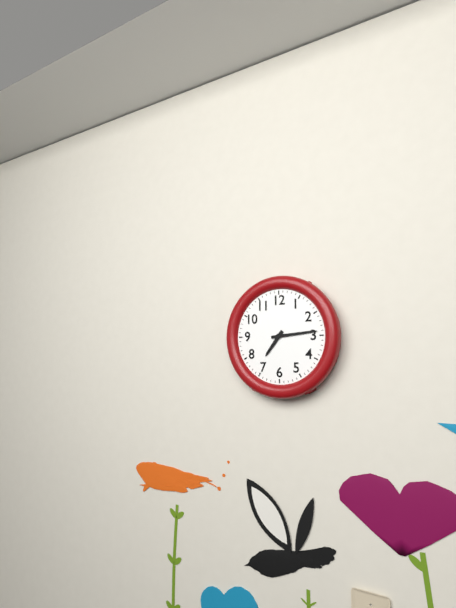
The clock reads 7.14
